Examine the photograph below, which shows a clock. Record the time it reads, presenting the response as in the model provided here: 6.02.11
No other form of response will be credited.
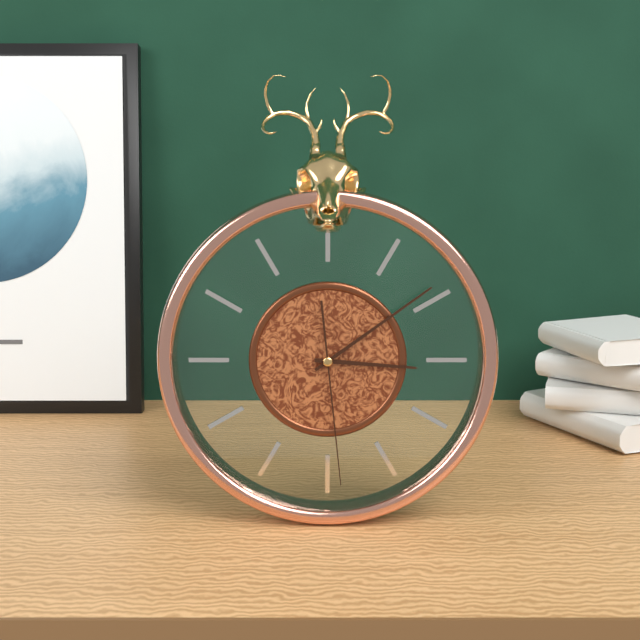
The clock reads 3.09.29
